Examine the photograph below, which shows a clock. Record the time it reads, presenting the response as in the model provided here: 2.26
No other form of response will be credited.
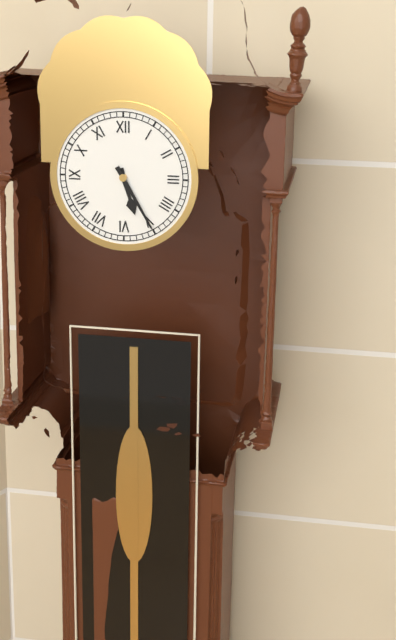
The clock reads 5.25
